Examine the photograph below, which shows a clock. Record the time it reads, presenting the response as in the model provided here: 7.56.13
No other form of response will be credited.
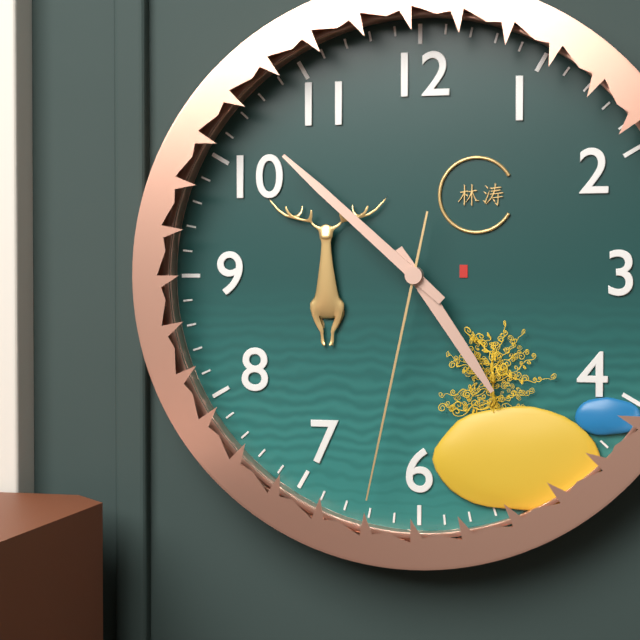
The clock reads 4.52.32
